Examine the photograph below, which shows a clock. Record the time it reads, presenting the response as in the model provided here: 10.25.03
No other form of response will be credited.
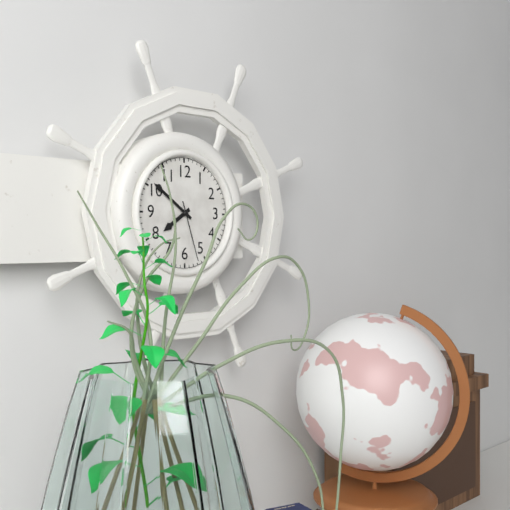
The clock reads 7.51.27
